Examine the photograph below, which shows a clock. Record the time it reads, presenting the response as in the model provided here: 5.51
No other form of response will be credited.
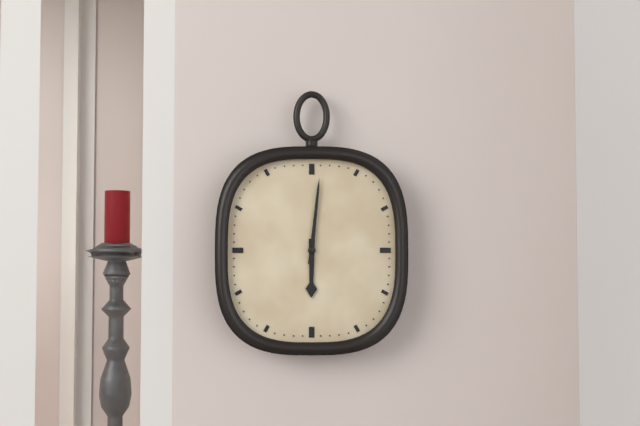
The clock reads 6.01
